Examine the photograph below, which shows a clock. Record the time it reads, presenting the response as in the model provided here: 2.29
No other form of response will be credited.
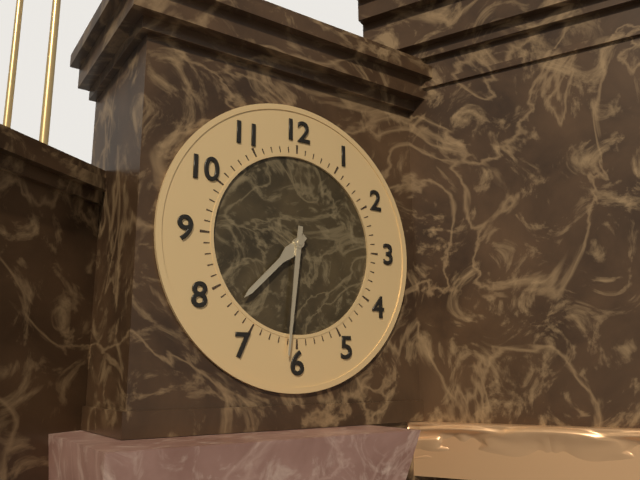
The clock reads 7.31
